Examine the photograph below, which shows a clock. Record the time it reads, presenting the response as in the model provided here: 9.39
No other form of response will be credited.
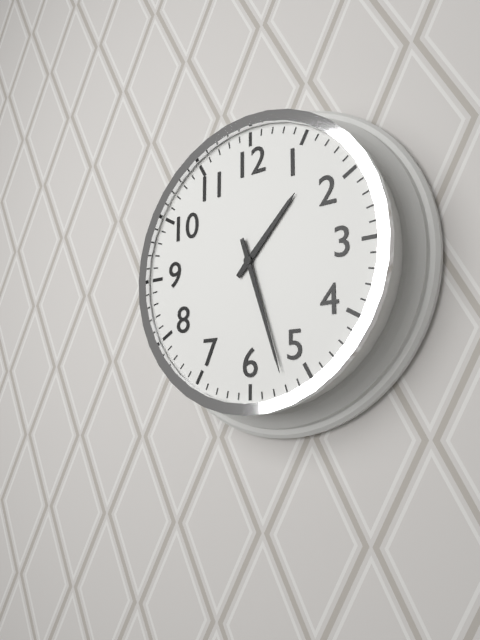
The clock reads 1.27
